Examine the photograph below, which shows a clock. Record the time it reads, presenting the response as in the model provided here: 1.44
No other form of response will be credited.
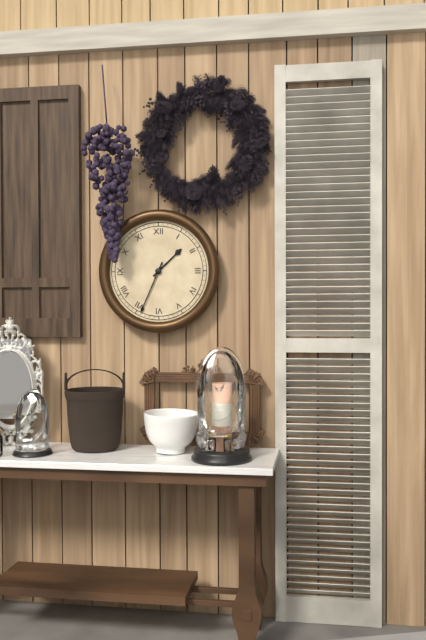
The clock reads 1.34
